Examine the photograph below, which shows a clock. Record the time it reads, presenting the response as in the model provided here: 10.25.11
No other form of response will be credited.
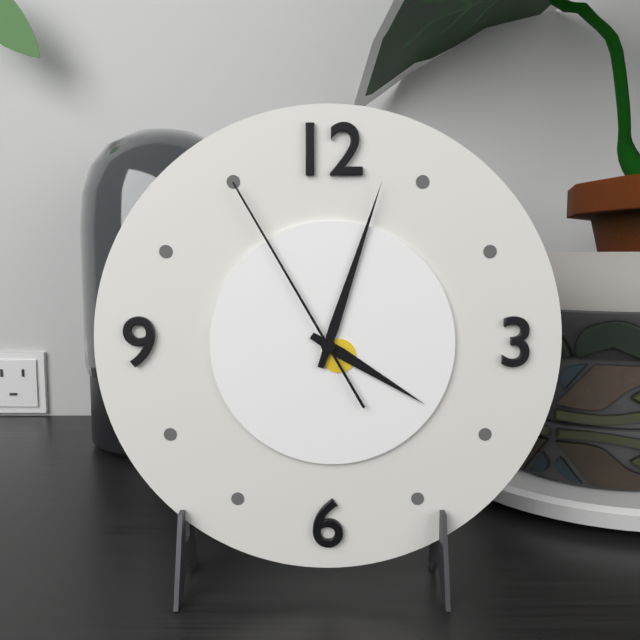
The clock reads 4.03.55
